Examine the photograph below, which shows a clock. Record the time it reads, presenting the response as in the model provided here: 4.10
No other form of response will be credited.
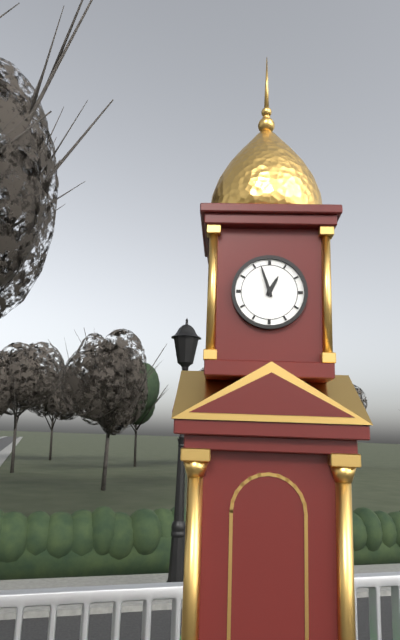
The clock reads 12.57
